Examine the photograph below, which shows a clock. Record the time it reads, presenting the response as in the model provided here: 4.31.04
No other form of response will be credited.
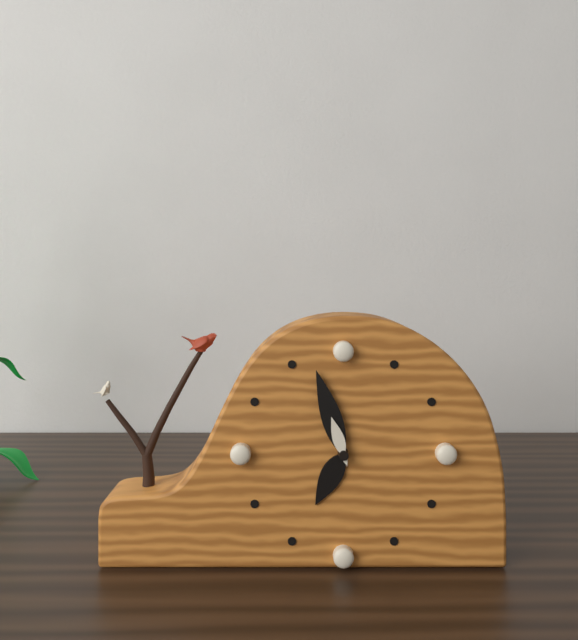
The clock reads 6.57.57
